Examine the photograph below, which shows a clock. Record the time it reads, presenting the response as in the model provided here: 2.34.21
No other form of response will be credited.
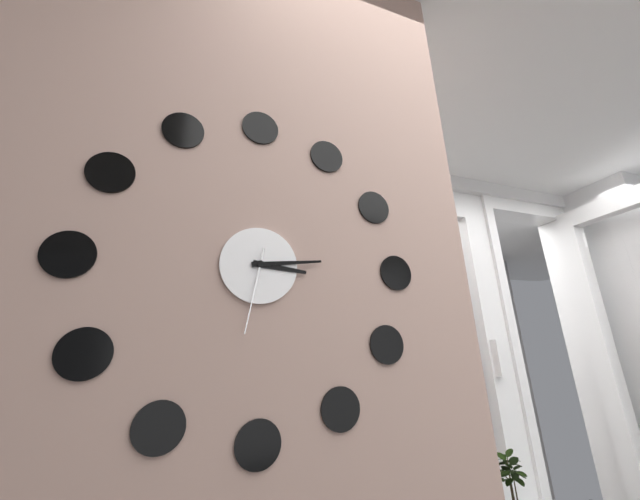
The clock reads 3.14.32
